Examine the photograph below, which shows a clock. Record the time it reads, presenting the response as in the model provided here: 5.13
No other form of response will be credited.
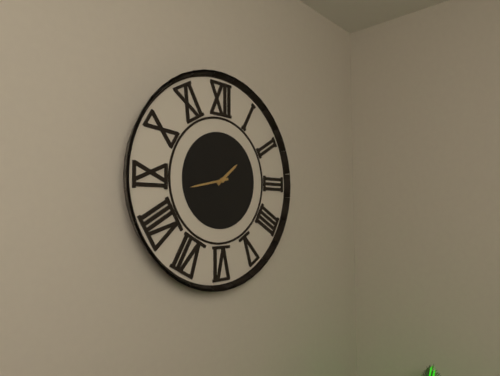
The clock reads 1.43
